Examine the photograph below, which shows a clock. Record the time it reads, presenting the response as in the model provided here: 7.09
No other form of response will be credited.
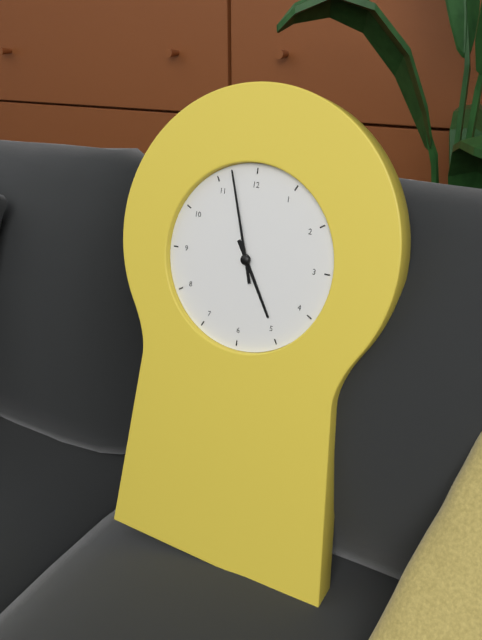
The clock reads 4.57
